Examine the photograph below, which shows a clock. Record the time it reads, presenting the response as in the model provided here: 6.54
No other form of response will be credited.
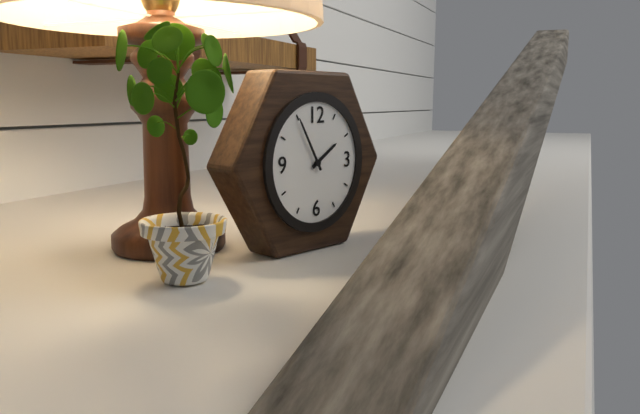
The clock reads 1.55
